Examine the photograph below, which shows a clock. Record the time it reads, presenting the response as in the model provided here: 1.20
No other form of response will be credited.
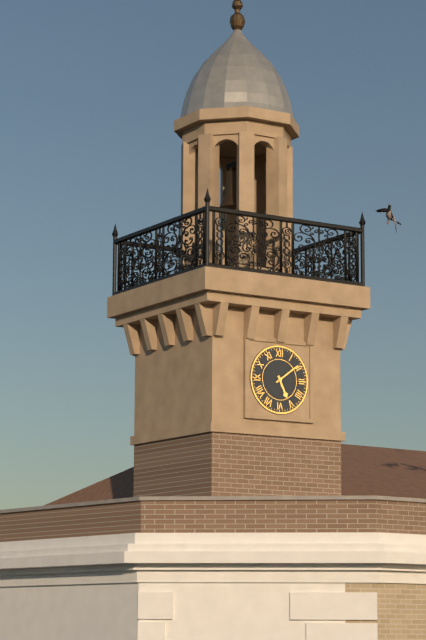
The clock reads 5.09
